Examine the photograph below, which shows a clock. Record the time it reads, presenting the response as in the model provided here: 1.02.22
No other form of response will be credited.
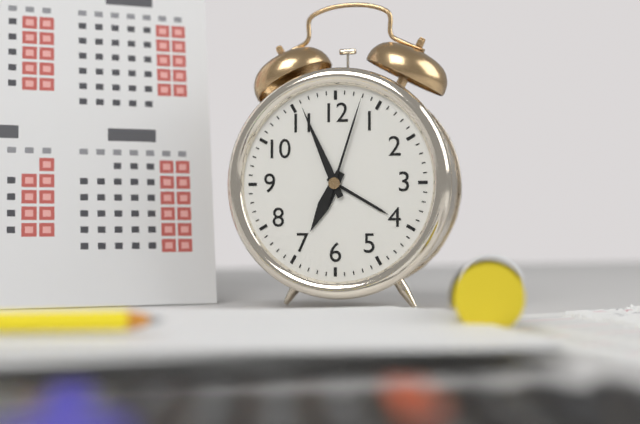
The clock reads 6.56.03
